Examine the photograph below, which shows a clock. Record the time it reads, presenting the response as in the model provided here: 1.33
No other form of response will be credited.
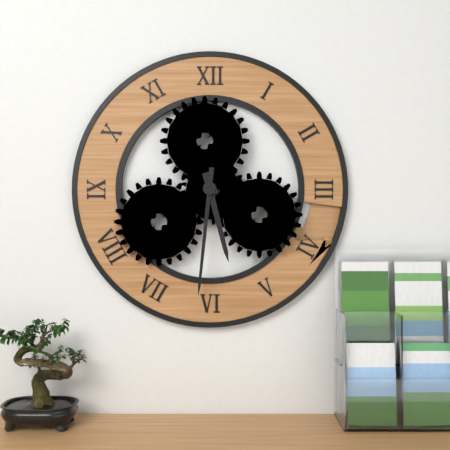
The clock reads 5.31
